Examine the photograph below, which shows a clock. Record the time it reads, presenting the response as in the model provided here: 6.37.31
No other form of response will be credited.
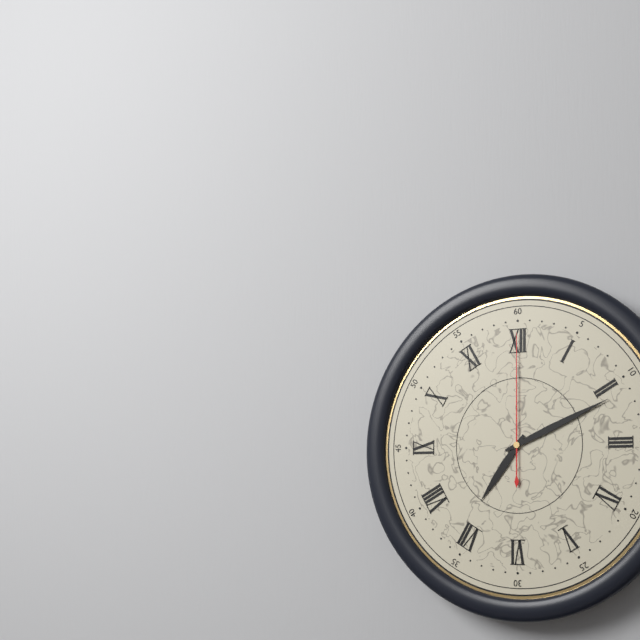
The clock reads 7.11.00
